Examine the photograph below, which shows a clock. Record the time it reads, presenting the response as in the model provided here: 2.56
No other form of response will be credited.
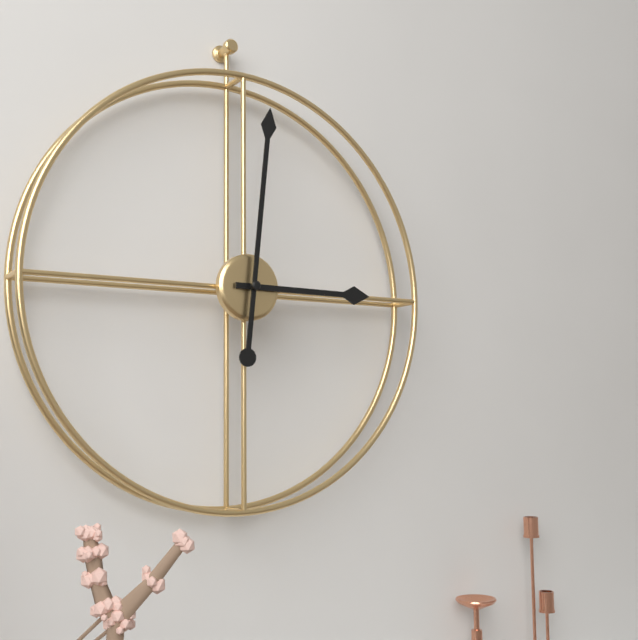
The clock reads 3.01
